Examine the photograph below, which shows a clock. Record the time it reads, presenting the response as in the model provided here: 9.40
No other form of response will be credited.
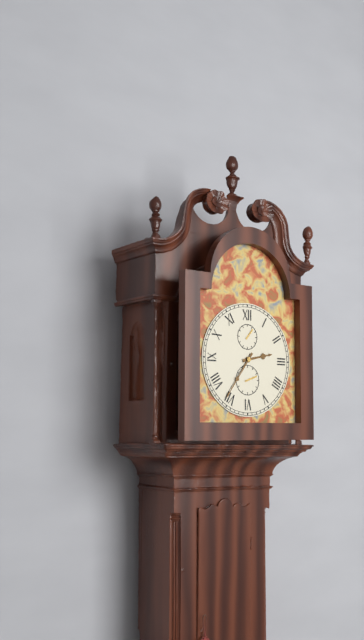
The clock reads 2.36
